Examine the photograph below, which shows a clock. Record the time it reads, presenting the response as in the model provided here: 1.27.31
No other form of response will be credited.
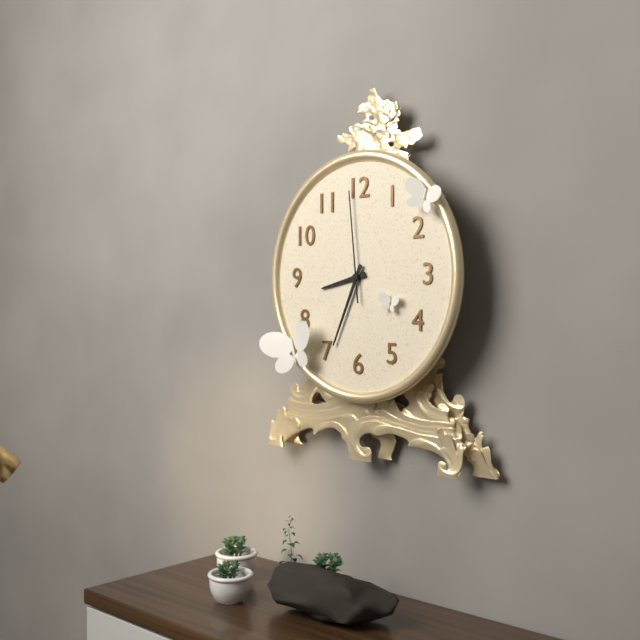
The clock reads 8.34.59
